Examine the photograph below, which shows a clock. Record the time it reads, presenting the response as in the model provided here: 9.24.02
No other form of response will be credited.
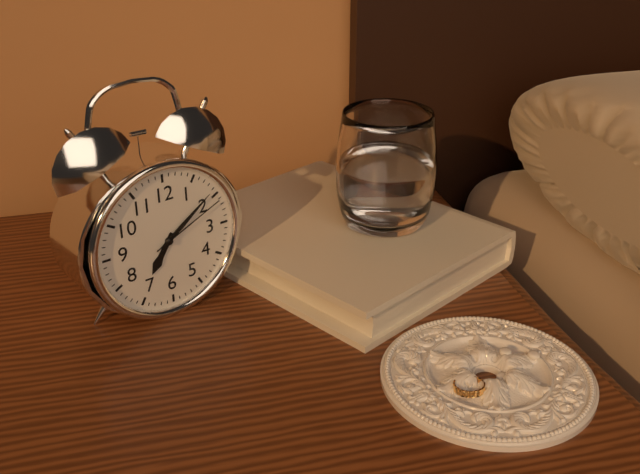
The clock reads 7.09.11
